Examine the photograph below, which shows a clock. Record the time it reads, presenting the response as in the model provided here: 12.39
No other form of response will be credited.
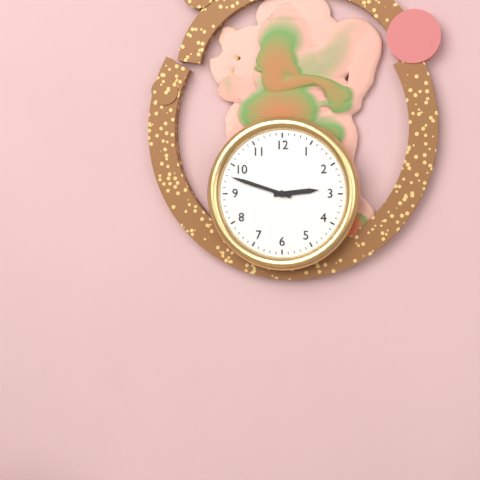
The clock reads 2.48
